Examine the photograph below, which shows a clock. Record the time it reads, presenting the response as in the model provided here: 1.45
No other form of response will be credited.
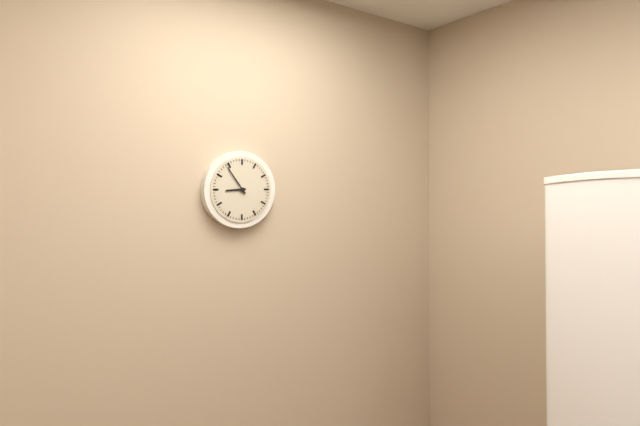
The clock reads 8.54
